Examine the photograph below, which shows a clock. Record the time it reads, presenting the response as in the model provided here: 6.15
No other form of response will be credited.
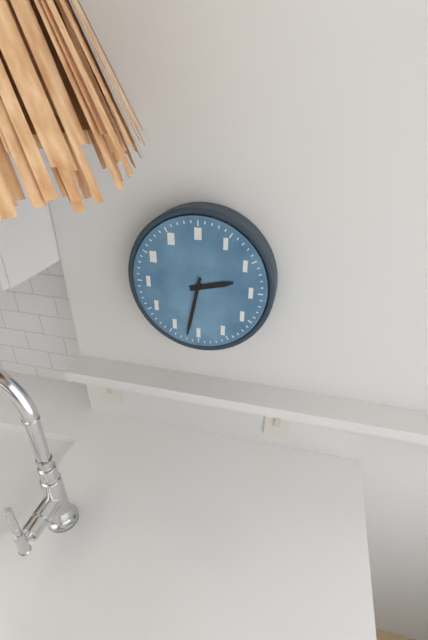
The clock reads 2.32
